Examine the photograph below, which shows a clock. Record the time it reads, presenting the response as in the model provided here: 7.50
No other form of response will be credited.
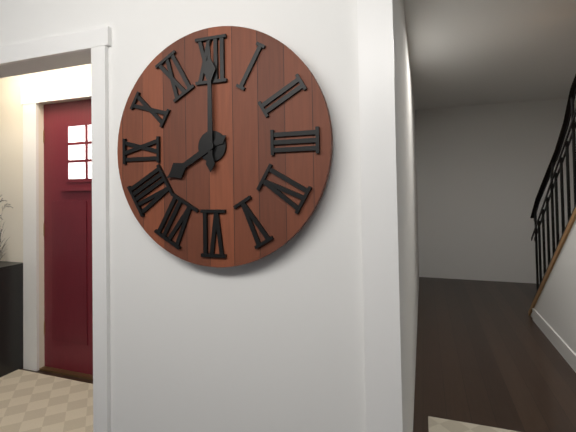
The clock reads 8.00
